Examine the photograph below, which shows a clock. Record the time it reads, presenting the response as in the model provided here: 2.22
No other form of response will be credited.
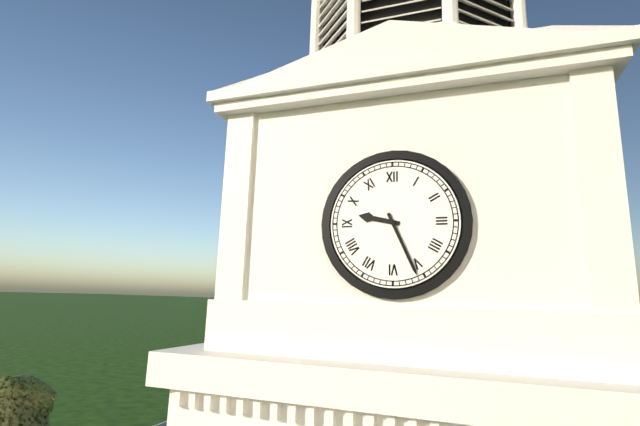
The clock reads 9.26
